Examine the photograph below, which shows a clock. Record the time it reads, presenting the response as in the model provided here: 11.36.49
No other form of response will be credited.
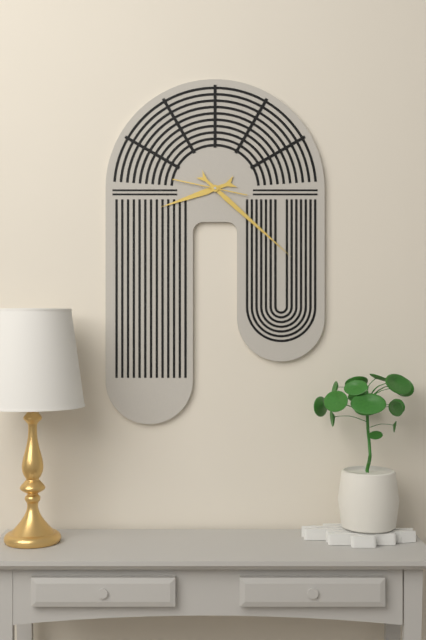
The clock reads 8.22.47
